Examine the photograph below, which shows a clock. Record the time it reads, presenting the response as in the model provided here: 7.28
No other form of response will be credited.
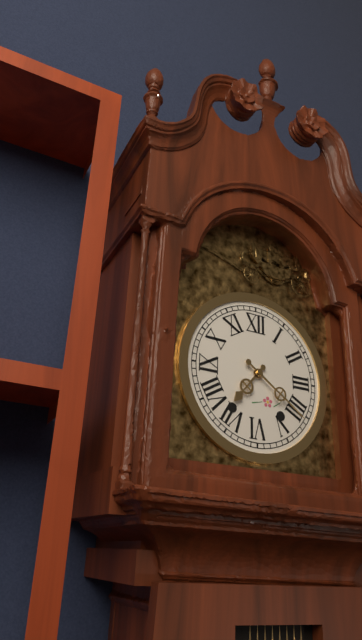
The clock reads 7.21
